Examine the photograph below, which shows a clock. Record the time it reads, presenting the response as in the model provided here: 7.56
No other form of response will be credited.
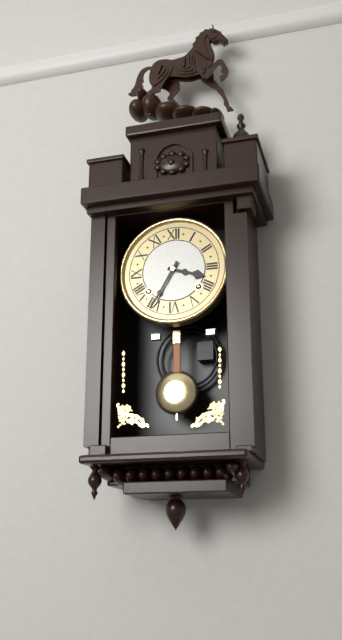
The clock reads 3.35
